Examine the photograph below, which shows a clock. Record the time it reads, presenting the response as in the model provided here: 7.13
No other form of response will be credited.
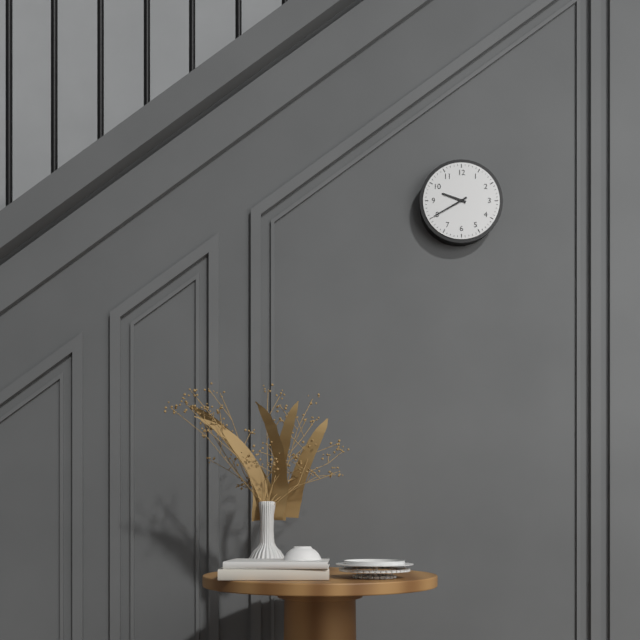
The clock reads 9.40
